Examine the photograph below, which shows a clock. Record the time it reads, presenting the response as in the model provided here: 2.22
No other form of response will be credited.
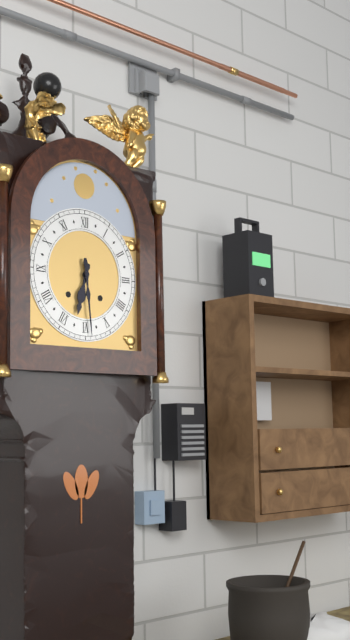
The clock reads 6.29
